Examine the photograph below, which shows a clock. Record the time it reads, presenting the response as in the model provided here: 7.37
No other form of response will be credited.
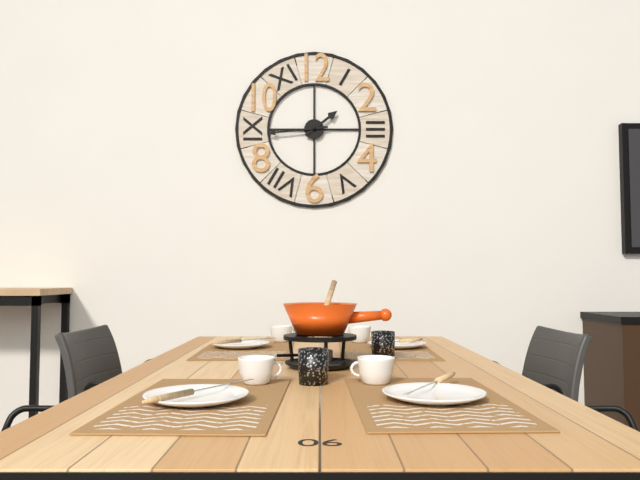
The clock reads 1.44
